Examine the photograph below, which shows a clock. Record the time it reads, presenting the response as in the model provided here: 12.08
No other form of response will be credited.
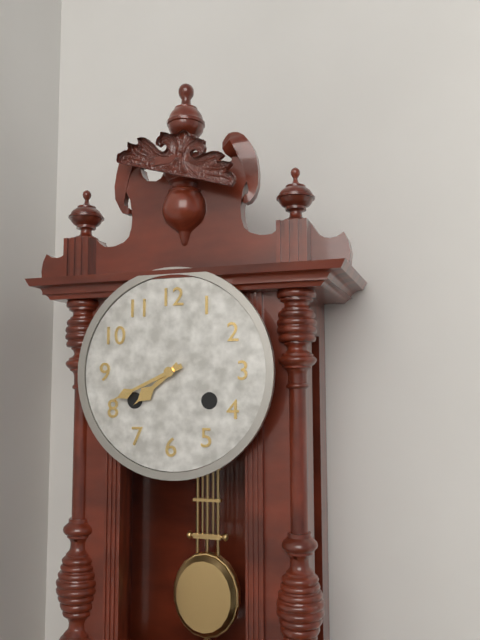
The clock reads 7.41
